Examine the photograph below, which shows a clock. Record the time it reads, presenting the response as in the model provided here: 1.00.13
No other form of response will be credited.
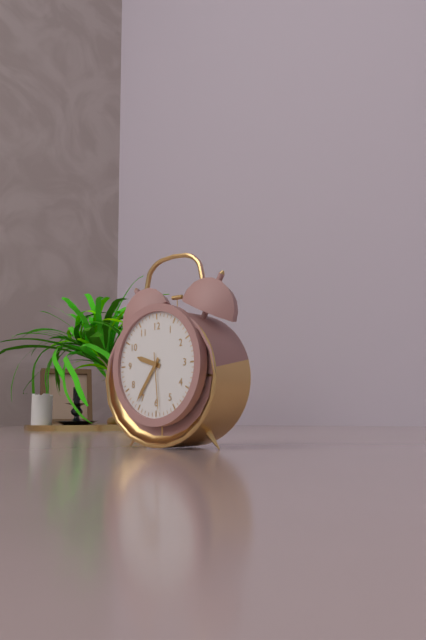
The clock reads 9.36.29
